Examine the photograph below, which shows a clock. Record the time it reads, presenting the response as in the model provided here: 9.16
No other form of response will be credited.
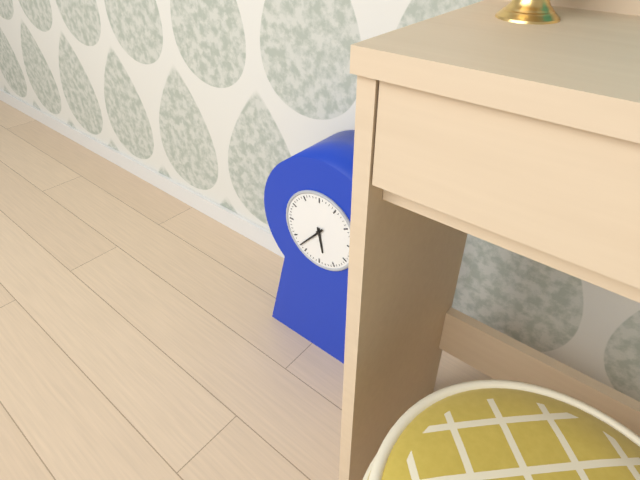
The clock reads 5.37
